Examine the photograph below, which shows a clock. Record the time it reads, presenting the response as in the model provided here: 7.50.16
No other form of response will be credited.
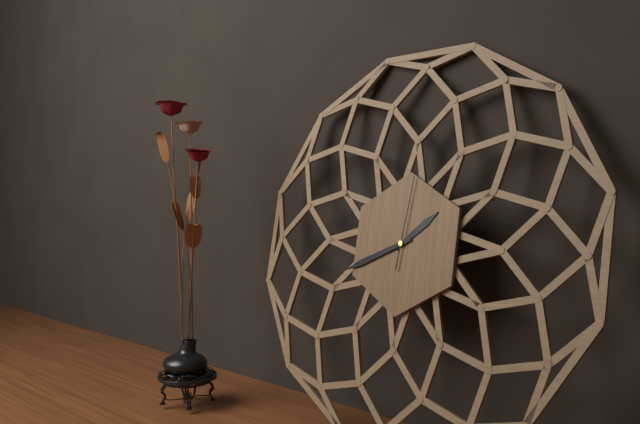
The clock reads 1.41.01
